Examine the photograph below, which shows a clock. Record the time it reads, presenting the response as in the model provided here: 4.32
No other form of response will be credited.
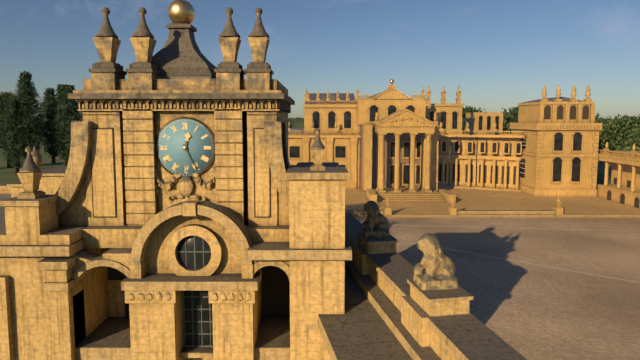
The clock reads 12.26
